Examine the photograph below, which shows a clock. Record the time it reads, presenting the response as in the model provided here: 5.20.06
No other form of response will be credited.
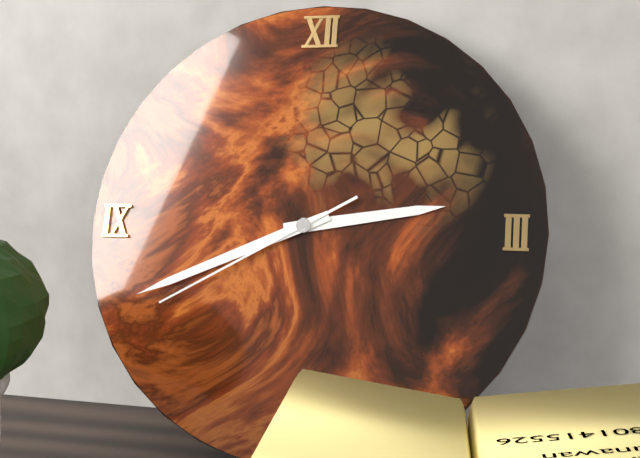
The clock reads 2.41.40
